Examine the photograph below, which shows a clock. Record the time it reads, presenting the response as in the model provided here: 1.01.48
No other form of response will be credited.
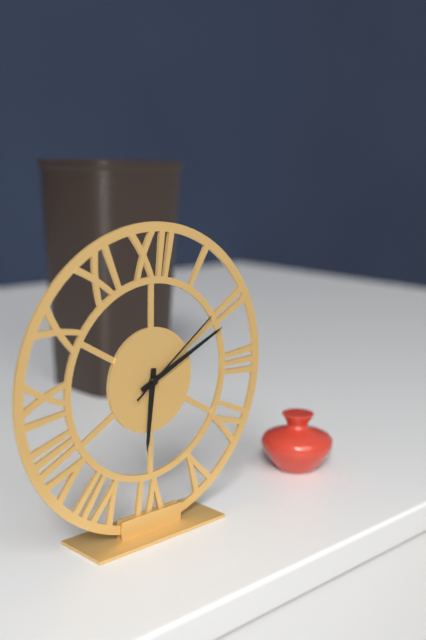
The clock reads 6.11.09
